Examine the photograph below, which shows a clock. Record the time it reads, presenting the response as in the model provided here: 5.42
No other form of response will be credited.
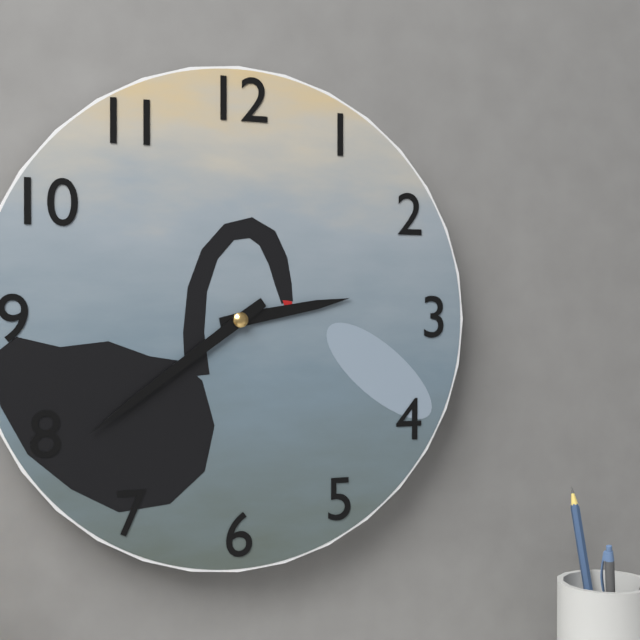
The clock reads 2.39
